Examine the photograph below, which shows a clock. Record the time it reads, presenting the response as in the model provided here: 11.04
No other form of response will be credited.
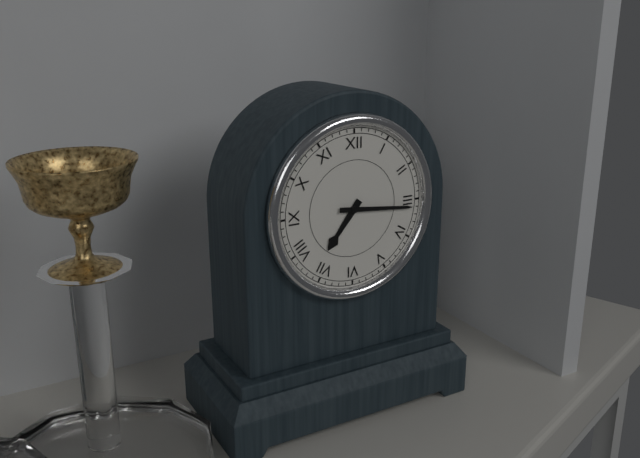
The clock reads 7.16
